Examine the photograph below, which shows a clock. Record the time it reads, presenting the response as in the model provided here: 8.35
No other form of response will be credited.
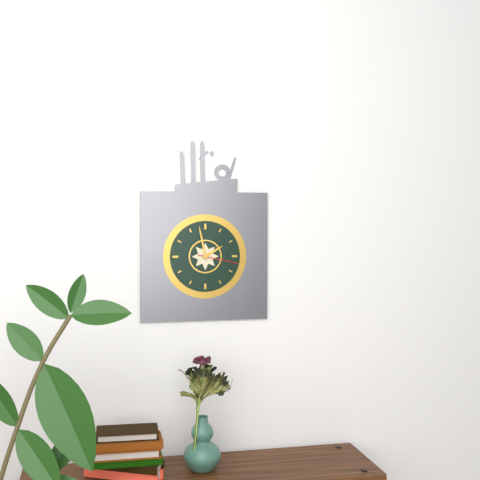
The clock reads 1.58
